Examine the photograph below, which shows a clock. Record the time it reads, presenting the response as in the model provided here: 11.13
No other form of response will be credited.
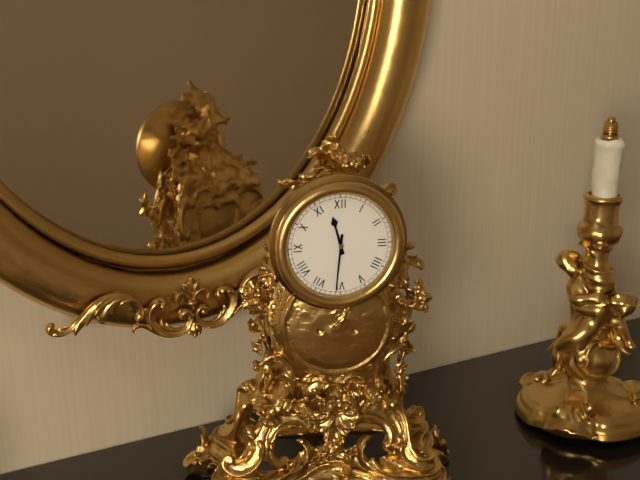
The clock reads 11.31
